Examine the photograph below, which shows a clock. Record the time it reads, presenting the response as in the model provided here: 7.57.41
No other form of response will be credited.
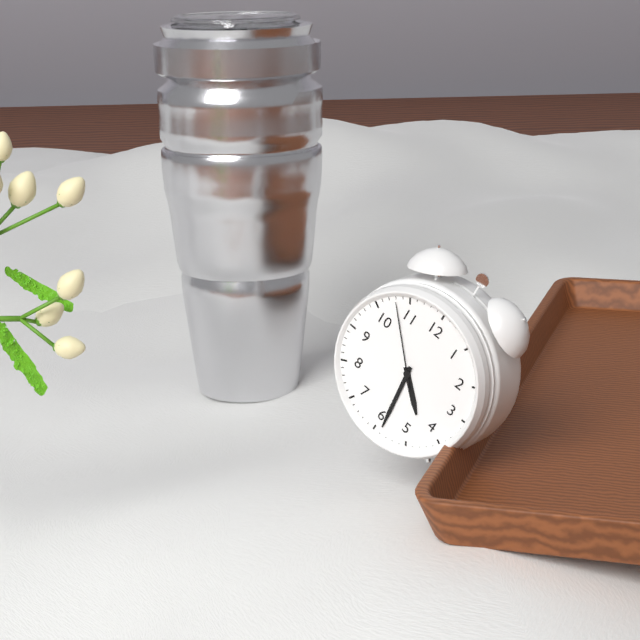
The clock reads 4.29.53
